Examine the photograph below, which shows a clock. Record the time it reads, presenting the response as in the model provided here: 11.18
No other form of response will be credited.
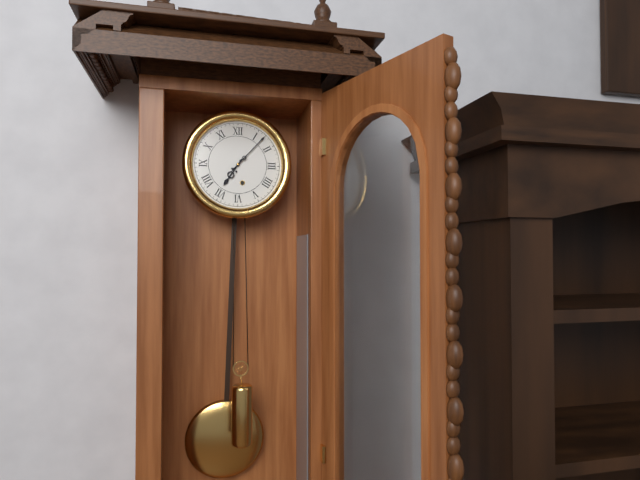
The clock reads 7.07
